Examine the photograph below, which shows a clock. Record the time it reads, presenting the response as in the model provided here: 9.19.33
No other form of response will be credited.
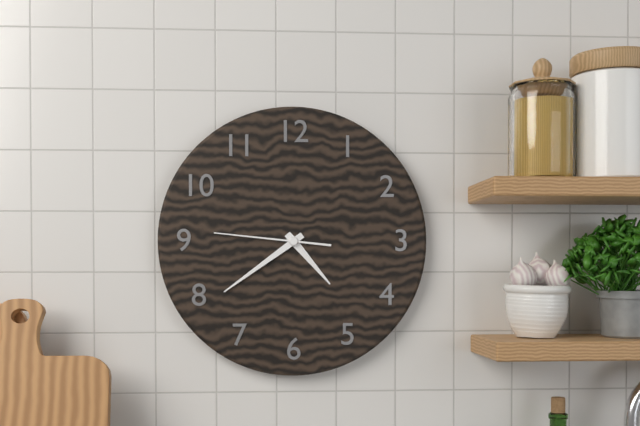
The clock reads 4.39.46
